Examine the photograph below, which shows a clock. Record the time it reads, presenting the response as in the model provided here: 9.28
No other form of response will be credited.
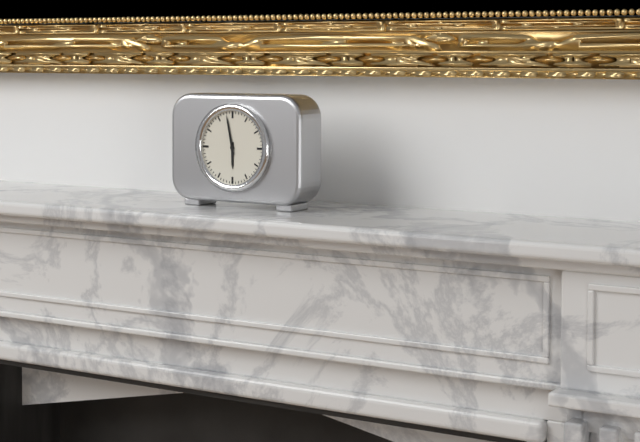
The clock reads 5.58
